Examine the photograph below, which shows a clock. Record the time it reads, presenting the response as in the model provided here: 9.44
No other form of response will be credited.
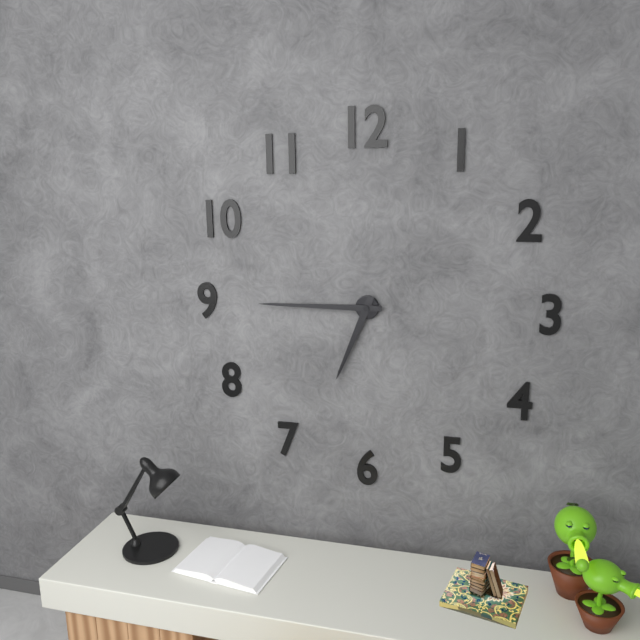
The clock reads 6.45
